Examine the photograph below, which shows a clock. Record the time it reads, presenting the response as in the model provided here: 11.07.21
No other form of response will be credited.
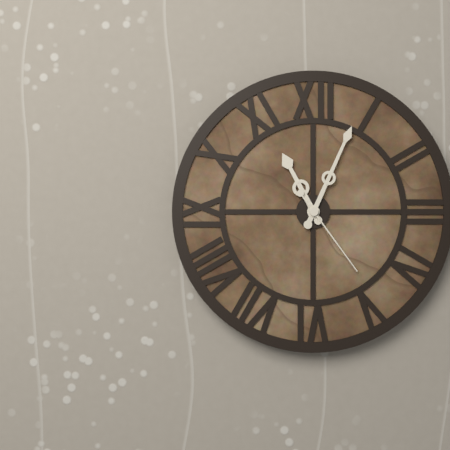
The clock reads 11.04.24
